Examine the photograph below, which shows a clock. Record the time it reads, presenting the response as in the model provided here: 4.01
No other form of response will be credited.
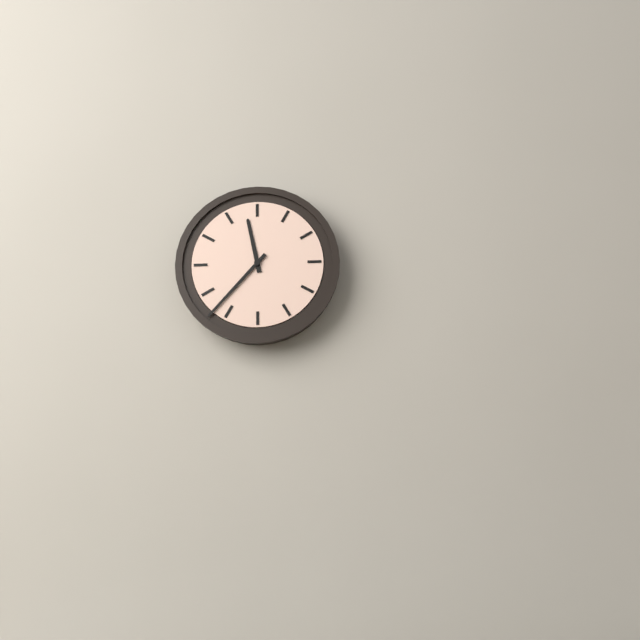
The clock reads 11.37
